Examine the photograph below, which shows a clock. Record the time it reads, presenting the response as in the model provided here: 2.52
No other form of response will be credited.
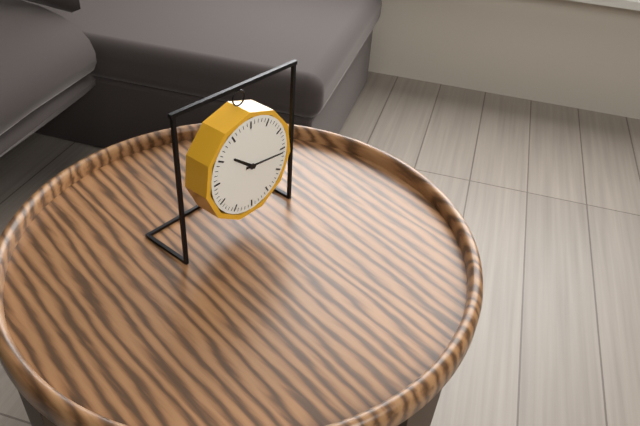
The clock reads 10.16
